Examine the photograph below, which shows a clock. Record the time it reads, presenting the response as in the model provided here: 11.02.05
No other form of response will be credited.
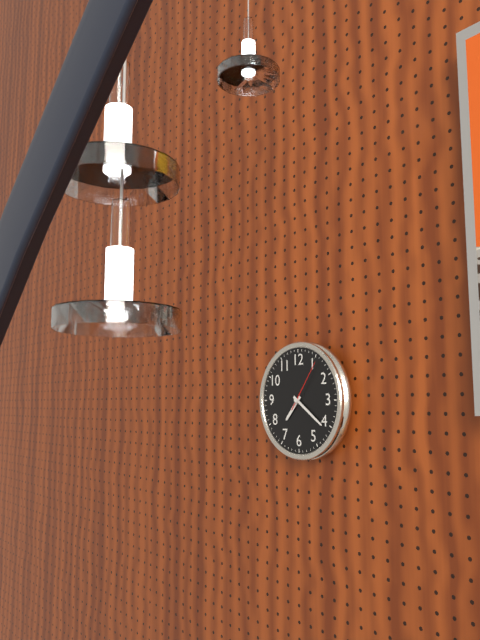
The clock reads 7.21.06
